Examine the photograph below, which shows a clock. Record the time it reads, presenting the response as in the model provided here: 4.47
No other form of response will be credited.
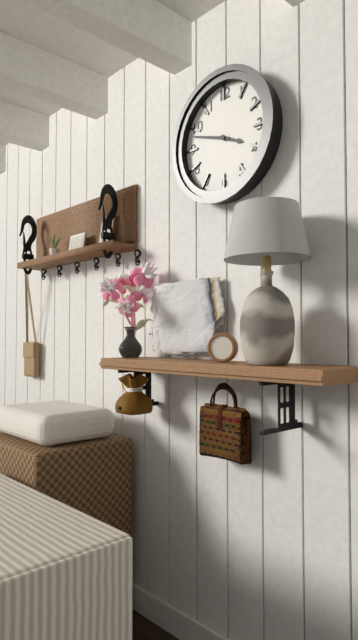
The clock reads 3.48
